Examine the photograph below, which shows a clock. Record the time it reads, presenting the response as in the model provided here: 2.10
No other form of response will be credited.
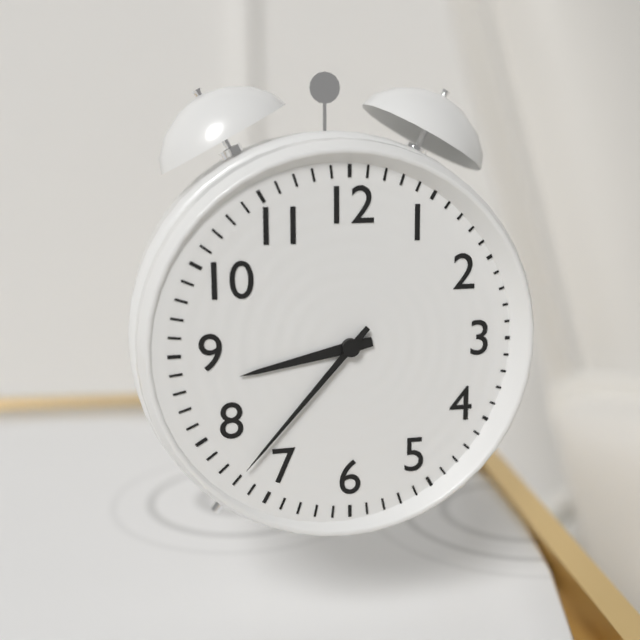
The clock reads 8.37
